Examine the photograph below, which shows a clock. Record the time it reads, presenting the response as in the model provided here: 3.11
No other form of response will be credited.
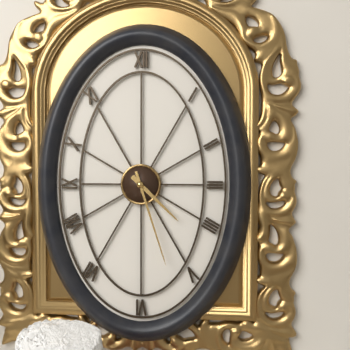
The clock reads 4.27
